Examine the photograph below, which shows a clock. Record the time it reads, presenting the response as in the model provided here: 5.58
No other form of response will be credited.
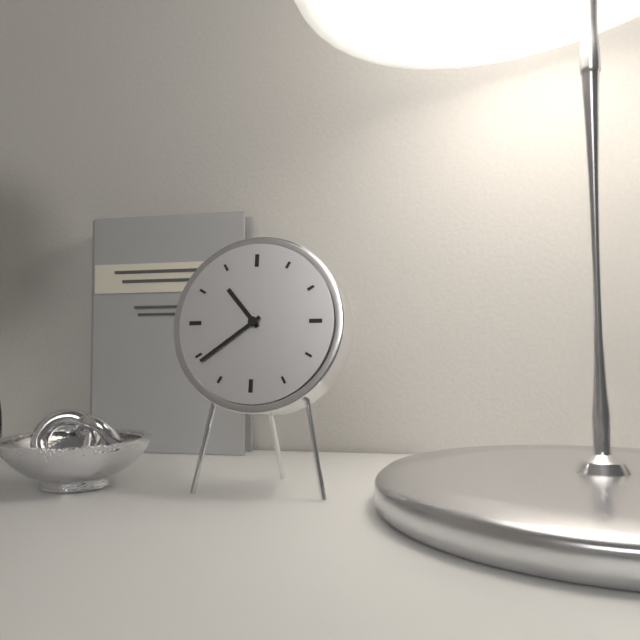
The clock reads 10.39
